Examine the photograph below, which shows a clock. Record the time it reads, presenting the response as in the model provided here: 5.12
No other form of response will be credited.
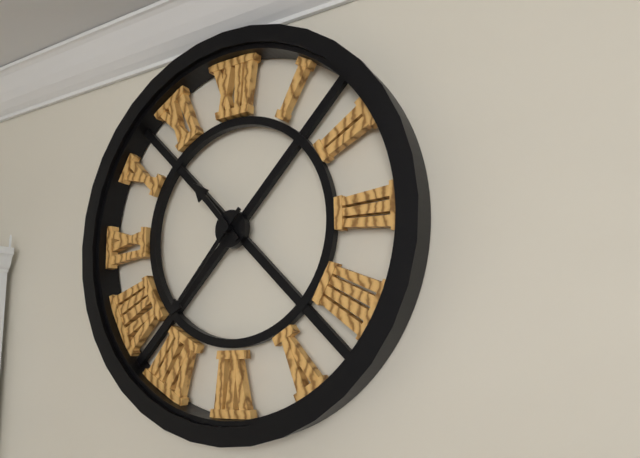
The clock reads 10.37
